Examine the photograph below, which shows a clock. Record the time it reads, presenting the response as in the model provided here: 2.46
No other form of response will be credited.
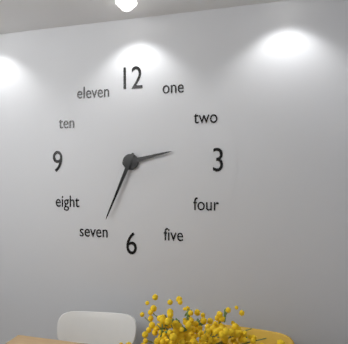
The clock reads 2.34
